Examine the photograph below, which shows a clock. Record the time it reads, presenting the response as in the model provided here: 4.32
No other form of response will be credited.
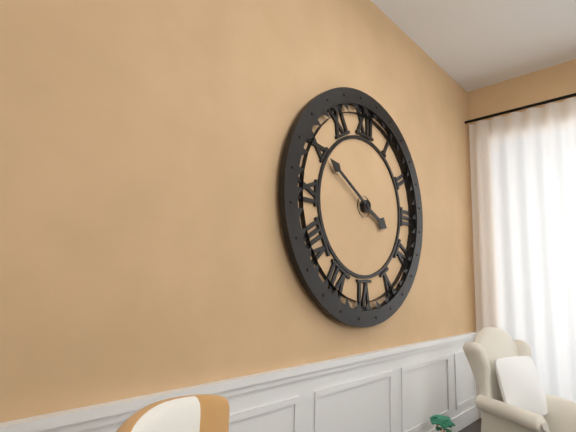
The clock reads 3.50
